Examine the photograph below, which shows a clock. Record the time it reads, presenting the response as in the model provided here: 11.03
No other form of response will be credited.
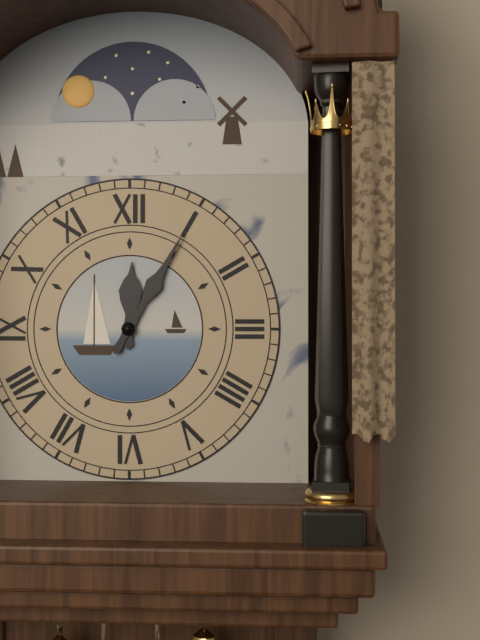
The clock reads 12.05
